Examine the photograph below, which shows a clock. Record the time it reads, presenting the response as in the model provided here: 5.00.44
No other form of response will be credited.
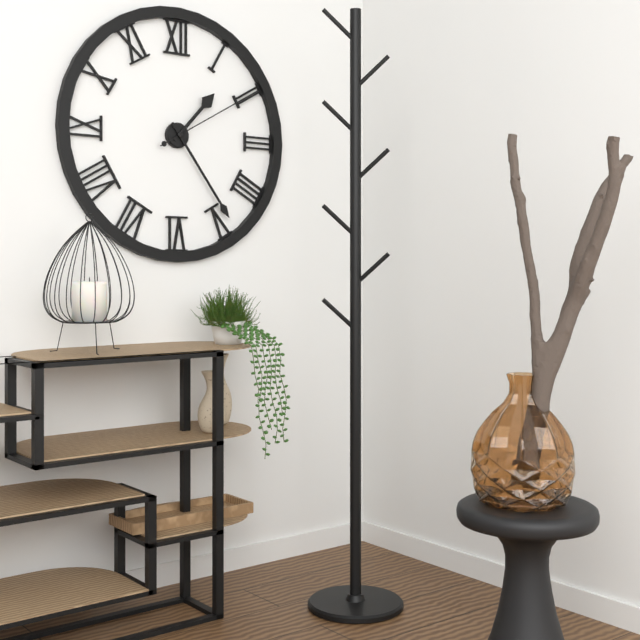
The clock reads 1.24.10
